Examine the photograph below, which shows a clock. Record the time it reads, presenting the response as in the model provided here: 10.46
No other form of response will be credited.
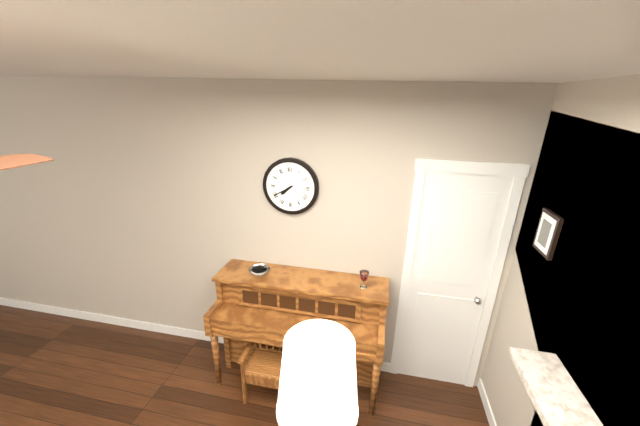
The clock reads 7.40
